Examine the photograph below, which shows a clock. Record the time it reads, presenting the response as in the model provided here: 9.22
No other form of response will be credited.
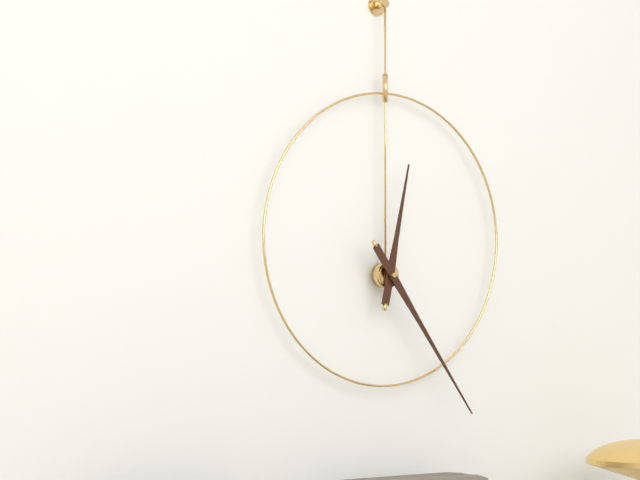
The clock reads 12.24
